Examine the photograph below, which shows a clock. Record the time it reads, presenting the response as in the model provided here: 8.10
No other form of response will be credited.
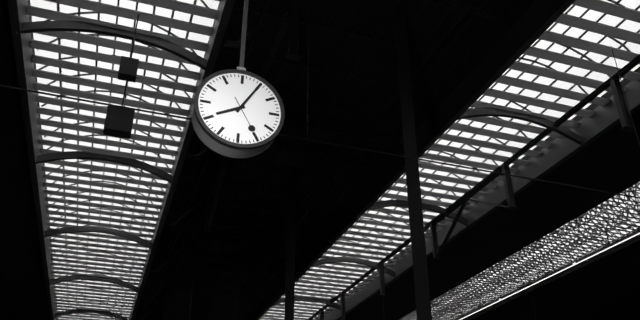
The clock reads 8.05
